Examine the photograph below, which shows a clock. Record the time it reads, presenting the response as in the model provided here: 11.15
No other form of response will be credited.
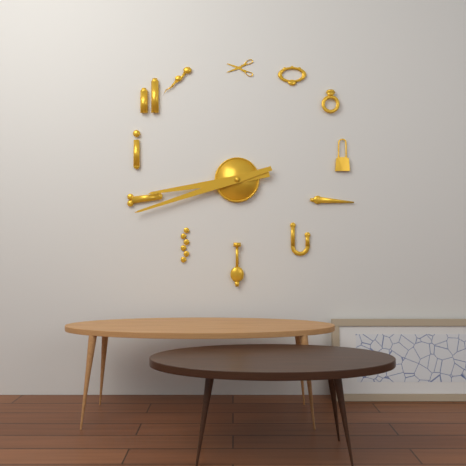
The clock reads 8.42
